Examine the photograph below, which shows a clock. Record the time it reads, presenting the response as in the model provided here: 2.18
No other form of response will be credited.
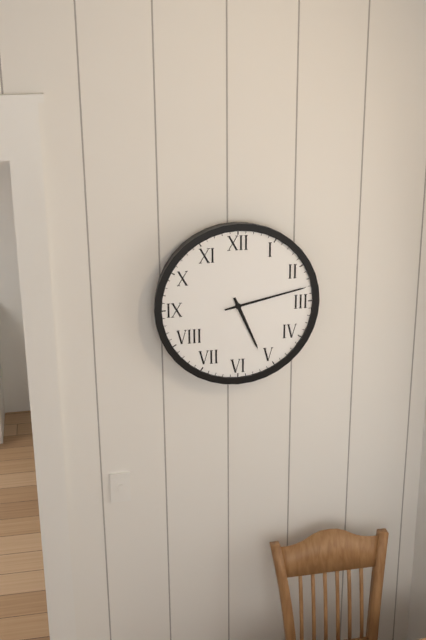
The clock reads 5.13
